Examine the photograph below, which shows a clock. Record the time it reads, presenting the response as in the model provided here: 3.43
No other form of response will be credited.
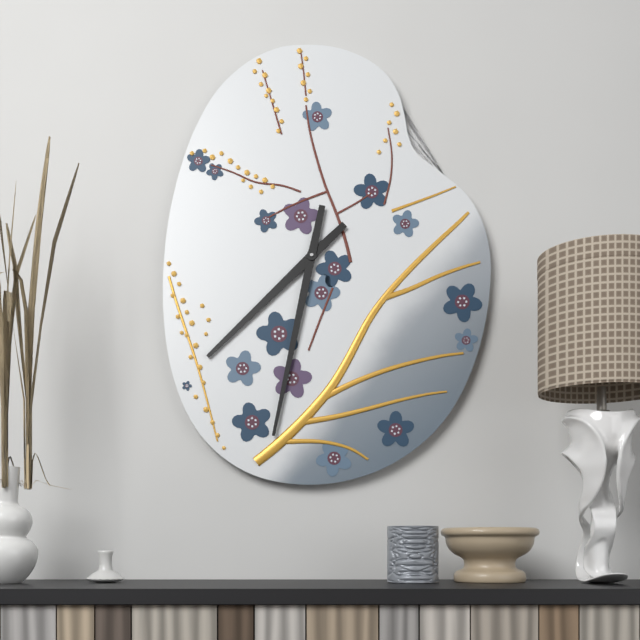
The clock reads 7.32
